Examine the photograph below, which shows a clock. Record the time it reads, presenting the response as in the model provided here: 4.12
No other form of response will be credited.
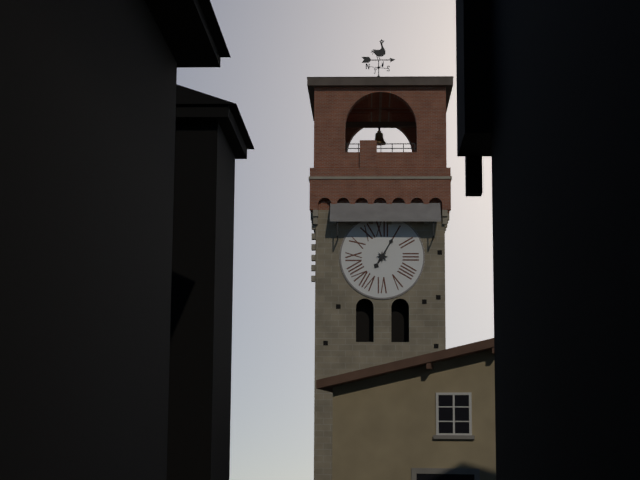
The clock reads 7.05
